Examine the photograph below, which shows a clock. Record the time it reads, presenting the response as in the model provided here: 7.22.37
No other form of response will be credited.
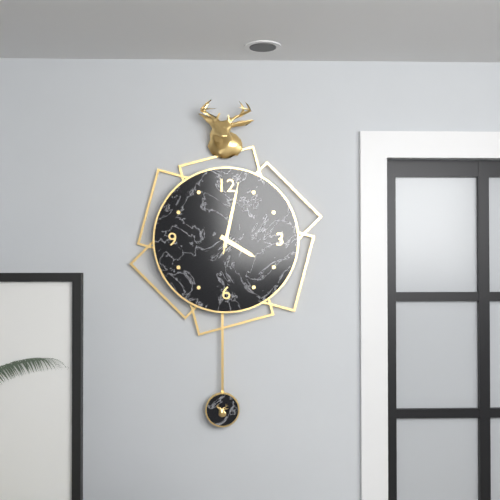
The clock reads 4.02.02
